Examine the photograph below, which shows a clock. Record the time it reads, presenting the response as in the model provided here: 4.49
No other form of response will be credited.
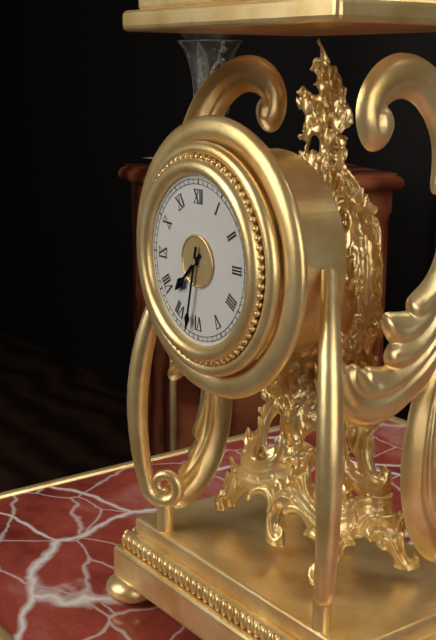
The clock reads 7.32
